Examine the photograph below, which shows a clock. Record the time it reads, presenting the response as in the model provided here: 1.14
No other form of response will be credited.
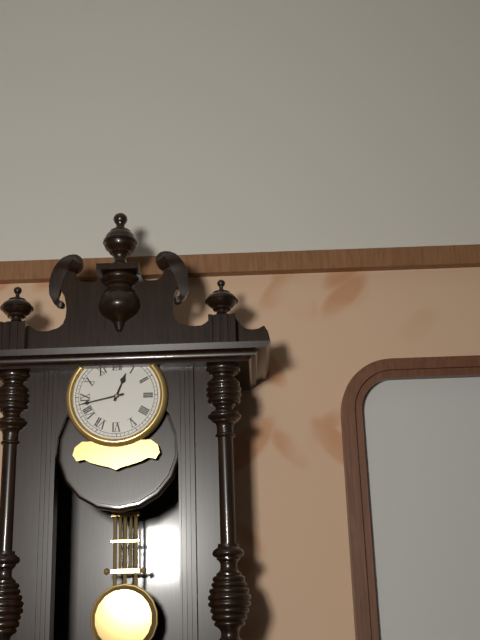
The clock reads 12.43
